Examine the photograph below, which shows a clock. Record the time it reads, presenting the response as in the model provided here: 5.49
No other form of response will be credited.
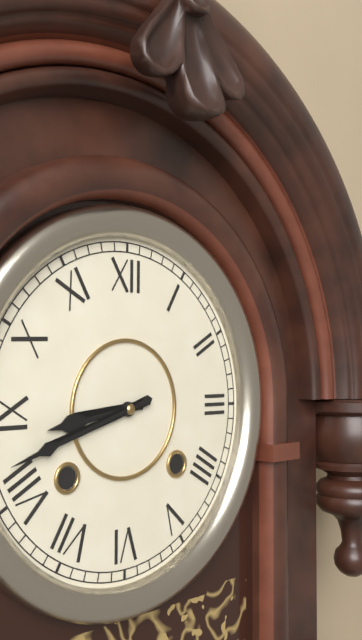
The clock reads 8.42
